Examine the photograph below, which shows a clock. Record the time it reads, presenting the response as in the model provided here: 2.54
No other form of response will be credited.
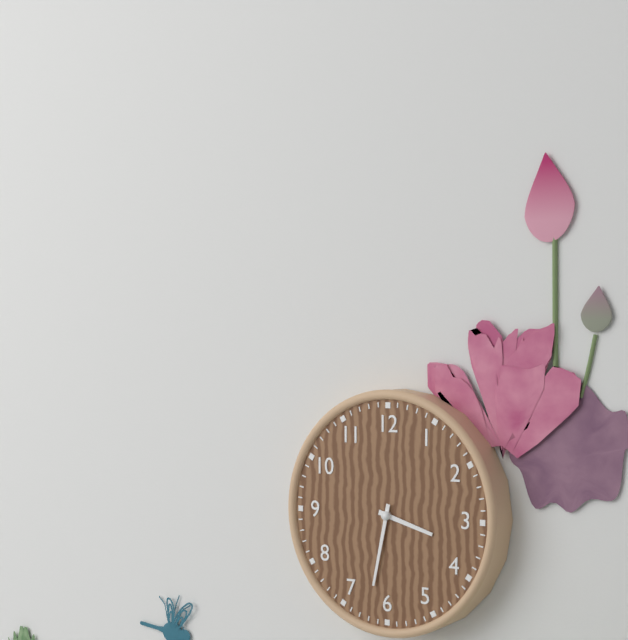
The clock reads 3.32
